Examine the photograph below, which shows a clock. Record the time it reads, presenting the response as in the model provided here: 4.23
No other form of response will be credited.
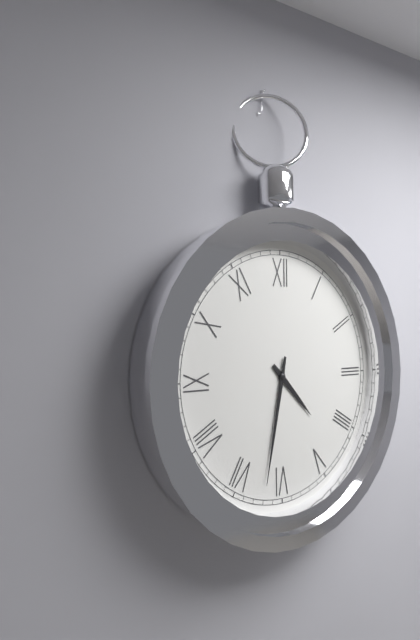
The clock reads 4.32
